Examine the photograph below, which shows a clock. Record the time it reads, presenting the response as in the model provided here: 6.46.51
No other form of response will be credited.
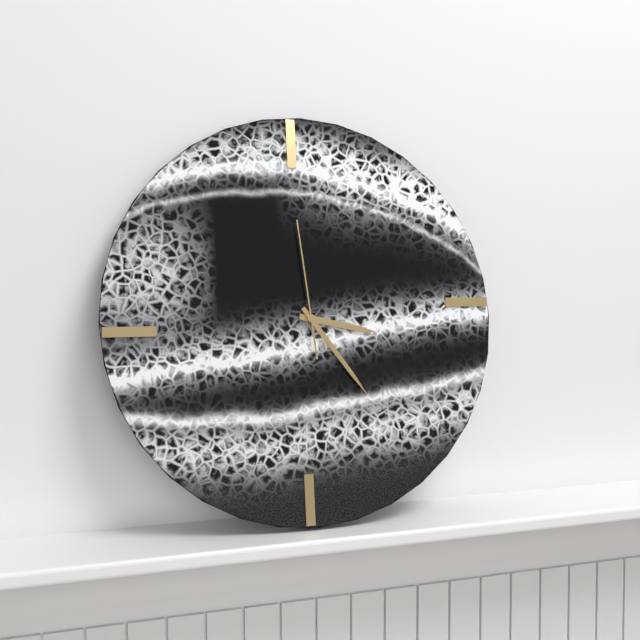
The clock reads 3.24.59
